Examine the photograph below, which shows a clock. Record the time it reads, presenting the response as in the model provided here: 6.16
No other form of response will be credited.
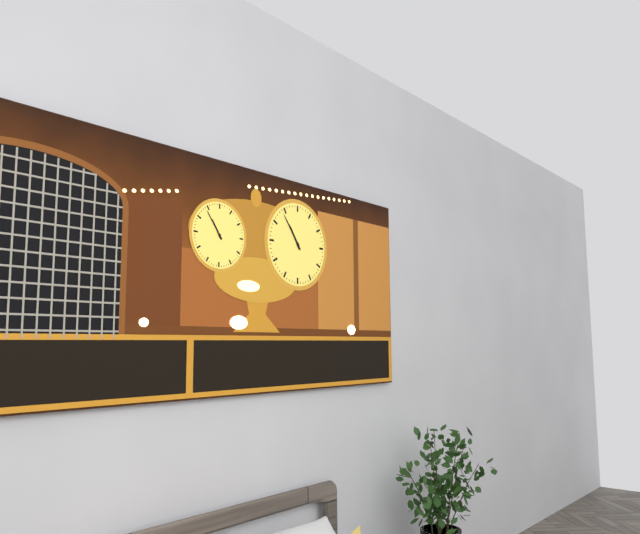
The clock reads 10.54
